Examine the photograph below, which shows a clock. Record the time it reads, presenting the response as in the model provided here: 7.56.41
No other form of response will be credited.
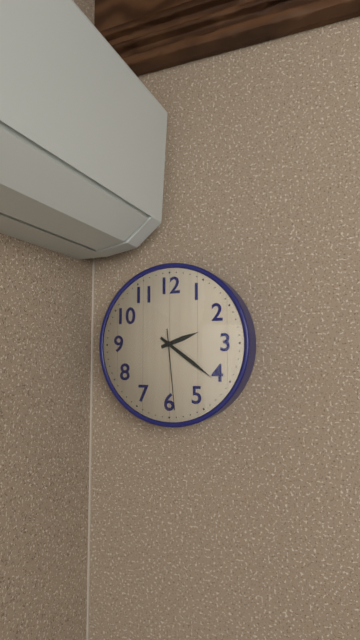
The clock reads 2.21.29
